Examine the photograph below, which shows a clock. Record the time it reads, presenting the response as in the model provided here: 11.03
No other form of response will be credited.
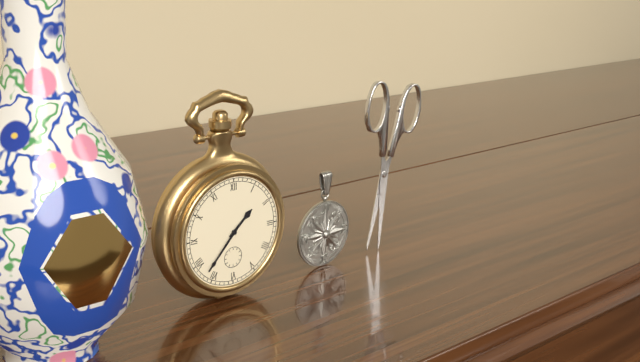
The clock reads 1.37
